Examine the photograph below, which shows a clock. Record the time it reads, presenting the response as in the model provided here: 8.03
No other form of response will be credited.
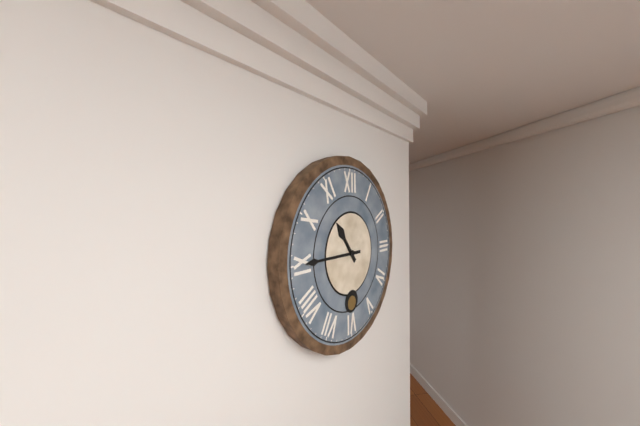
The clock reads 10.45
